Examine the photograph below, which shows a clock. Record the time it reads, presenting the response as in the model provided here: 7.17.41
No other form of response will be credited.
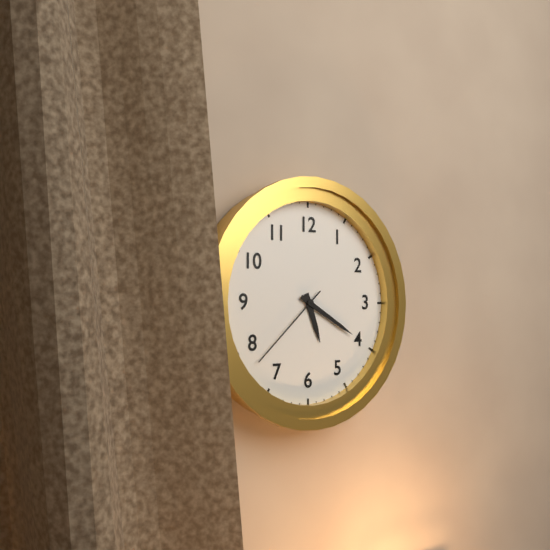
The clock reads 5.20.38
